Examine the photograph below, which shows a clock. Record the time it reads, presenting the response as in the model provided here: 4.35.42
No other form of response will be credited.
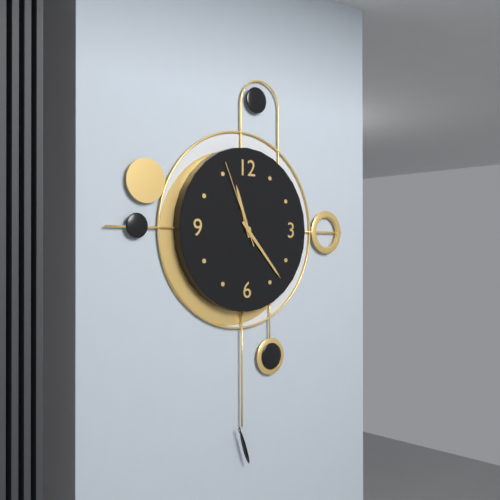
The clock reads 11.23.56
